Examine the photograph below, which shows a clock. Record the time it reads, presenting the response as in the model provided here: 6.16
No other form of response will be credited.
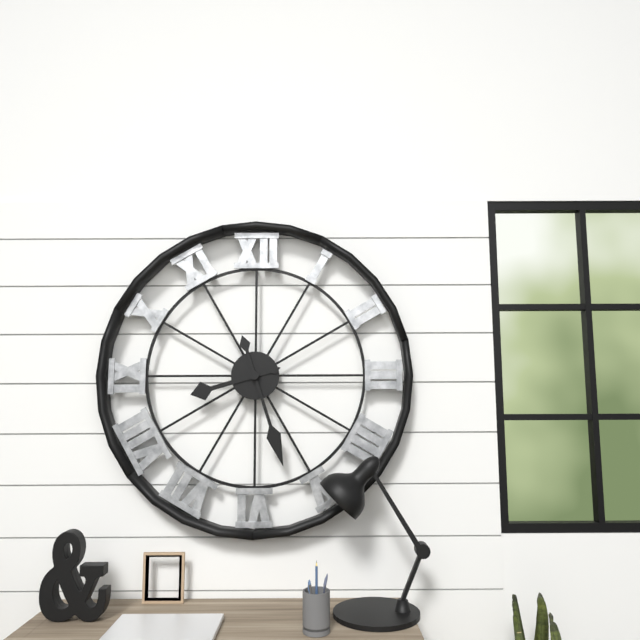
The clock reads 8.27
